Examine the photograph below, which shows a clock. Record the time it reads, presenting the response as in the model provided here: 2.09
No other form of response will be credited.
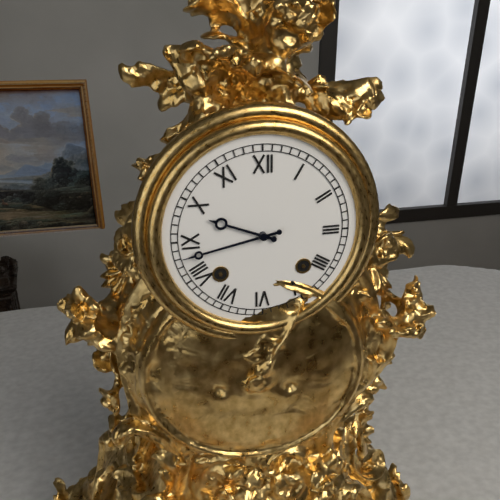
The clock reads 9.43
